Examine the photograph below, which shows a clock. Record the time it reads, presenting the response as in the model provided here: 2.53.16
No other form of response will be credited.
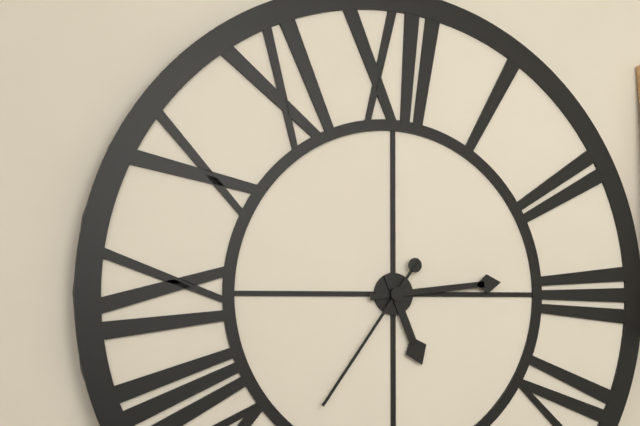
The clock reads 5.14.36
